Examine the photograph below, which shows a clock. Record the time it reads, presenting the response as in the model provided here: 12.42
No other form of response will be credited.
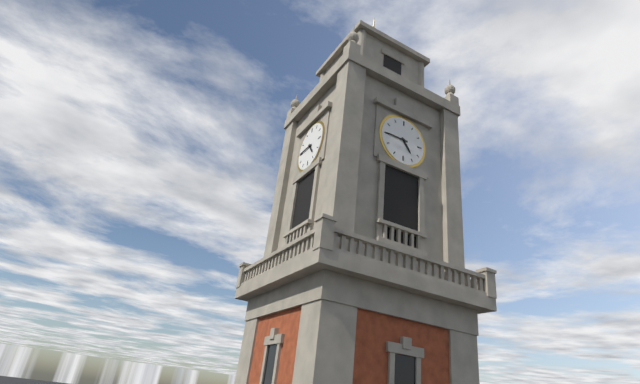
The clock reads 4.45
